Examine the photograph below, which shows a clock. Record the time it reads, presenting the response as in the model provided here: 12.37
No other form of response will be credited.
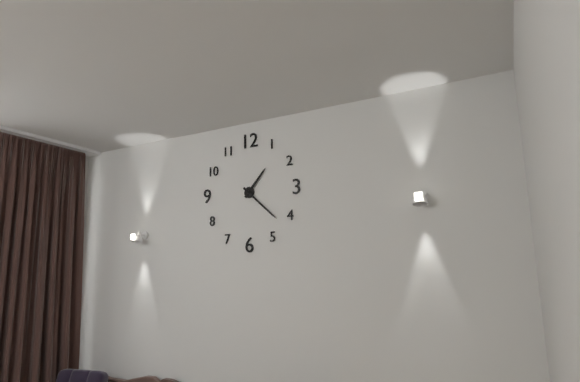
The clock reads 1.22
